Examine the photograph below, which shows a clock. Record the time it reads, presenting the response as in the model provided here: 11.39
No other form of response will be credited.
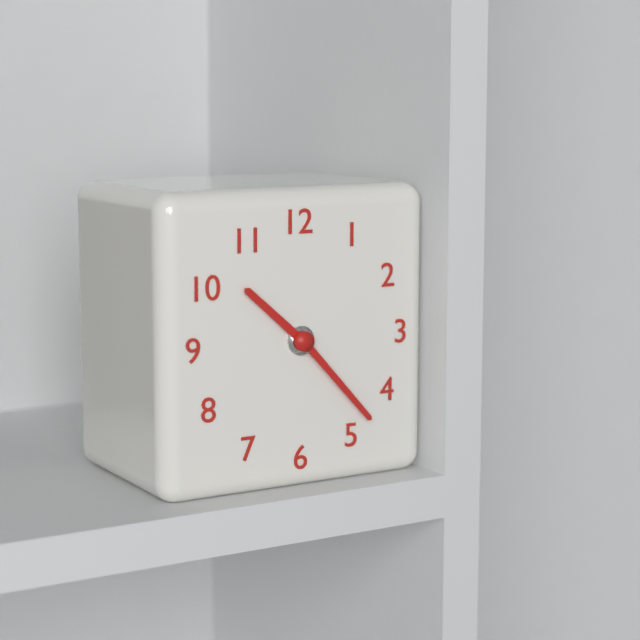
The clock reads 10.23
